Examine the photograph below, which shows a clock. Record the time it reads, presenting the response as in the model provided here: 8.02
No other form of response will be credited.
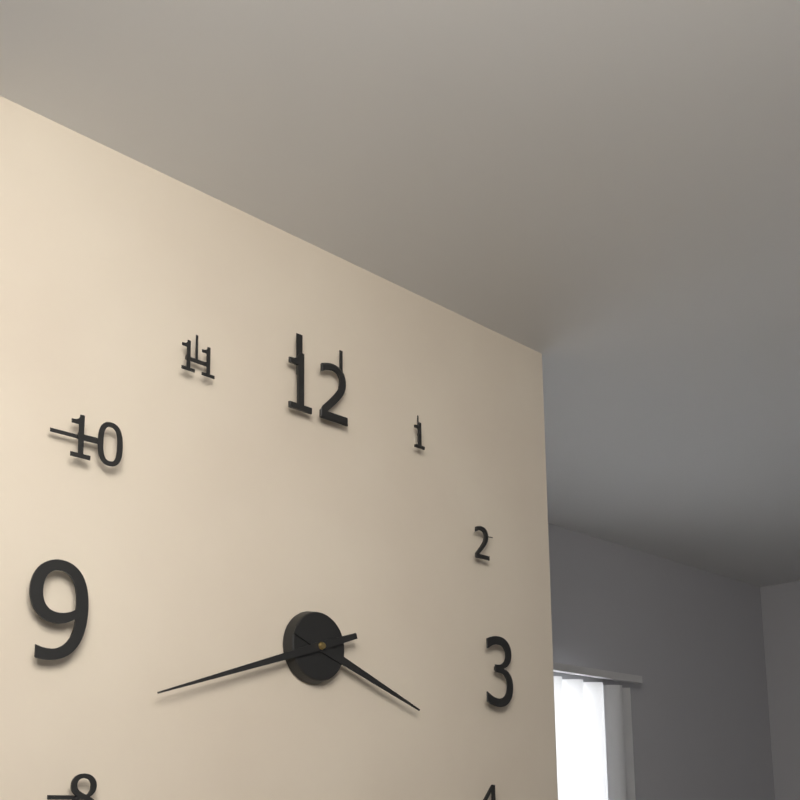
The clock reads 3.42
